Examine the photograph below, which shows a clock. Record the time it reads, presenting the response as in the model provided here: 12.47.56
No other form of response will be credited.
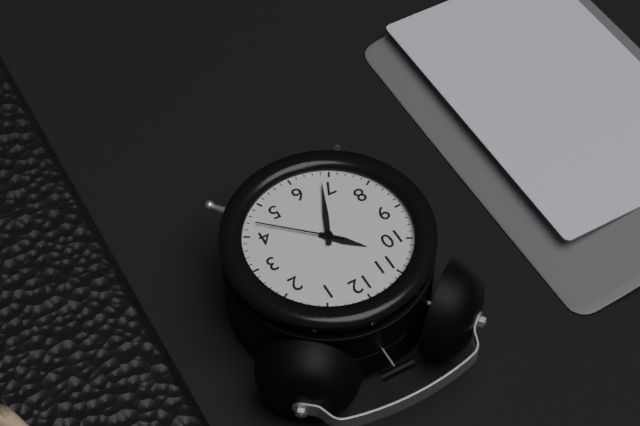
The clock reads 10.34.22
